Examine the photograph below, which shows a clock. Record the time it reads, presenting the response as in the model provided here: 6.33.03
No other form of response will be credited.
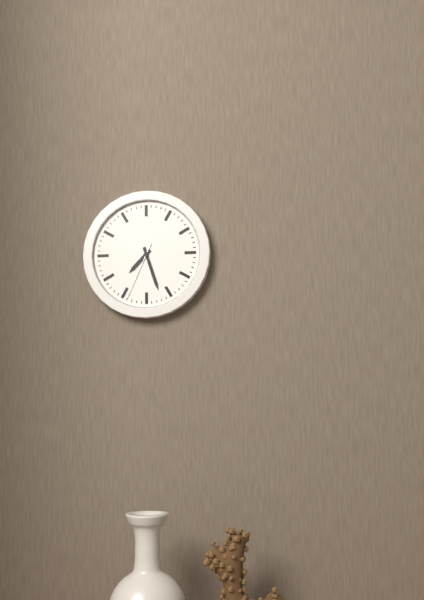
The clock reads 7.27.34
